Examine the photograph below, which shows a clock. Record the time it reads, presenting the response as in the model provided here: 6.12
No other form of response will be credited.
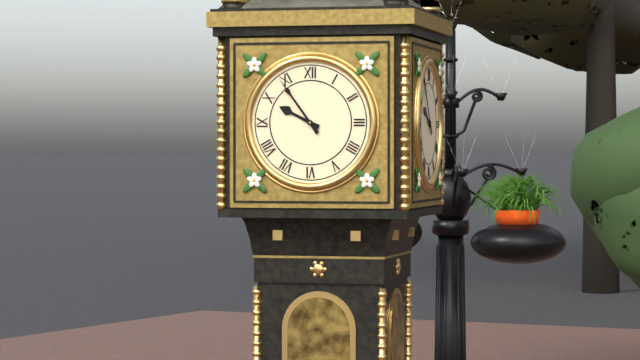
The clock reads 9.54
